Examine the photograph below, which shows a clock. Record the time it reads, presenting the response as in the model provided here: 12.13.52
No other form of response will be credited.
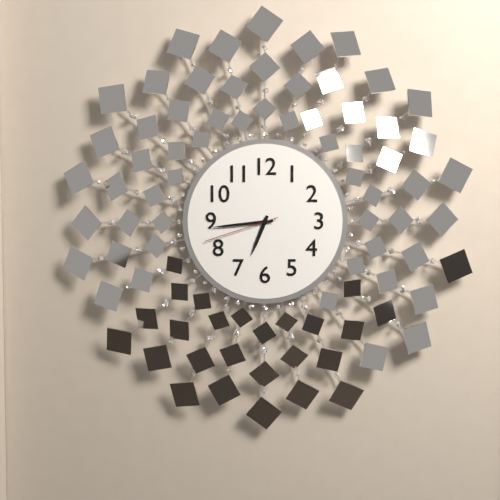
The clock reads 6.44.42
